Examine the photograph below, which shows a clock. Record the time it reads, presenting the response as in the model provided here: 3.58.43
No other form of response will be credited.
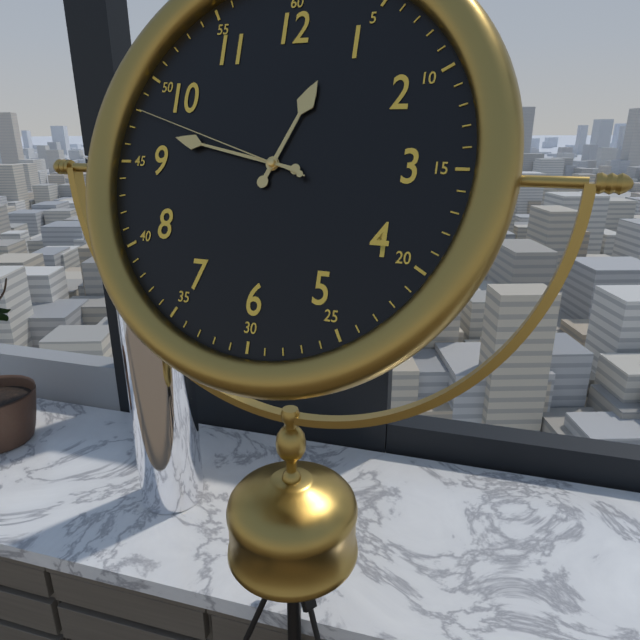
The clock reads 12.47.48
